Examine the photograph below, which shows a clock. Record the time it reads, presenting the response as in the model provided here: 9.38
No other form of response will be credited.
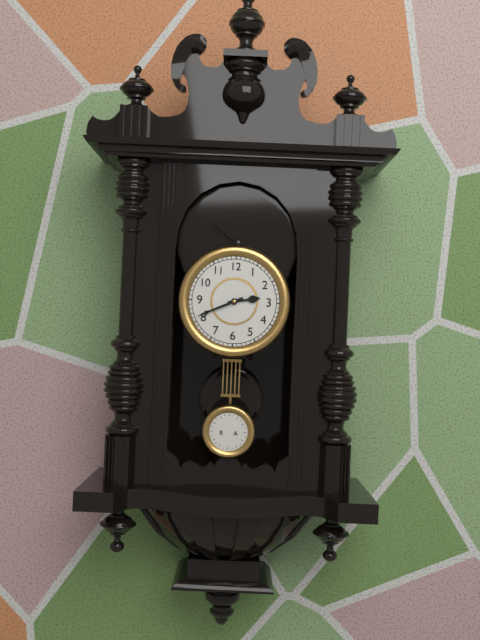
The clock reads 2.41
